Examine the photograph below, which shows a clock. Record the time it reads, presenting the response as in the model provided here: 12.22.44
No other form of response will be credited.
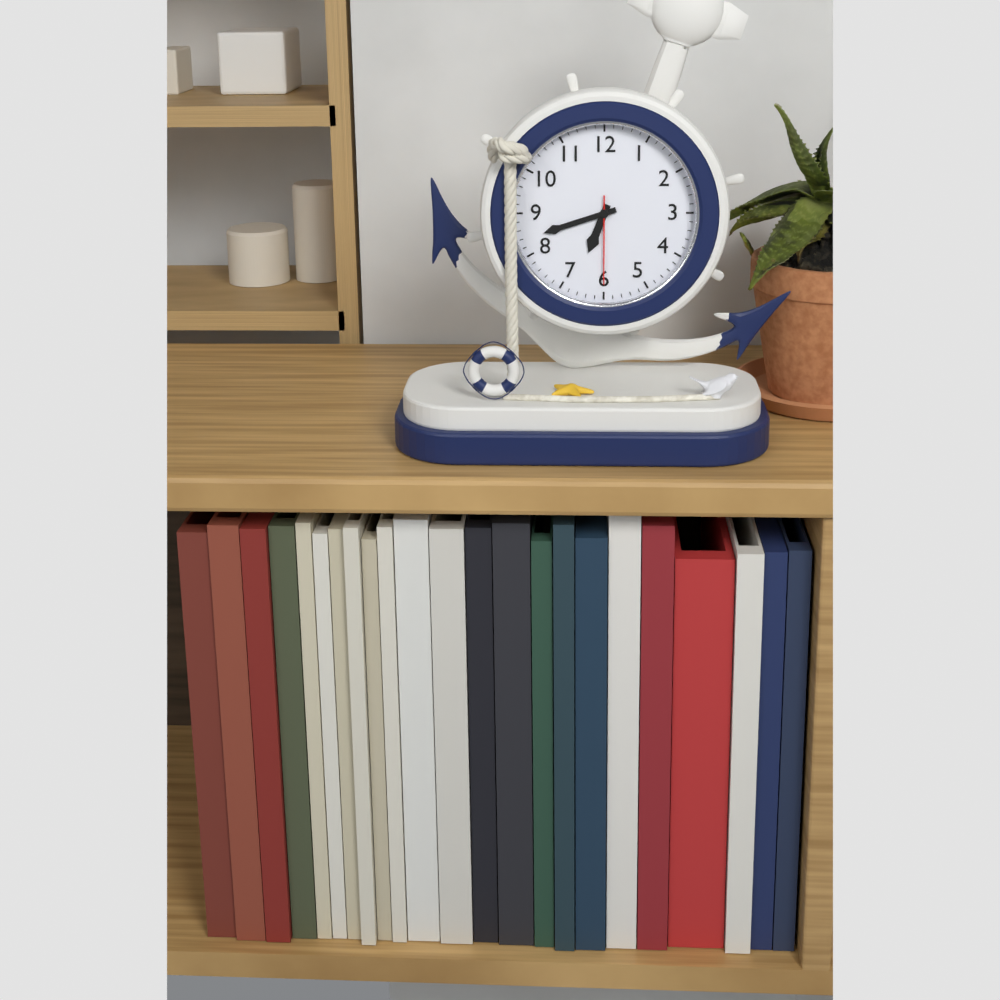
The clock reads 6.42.30
